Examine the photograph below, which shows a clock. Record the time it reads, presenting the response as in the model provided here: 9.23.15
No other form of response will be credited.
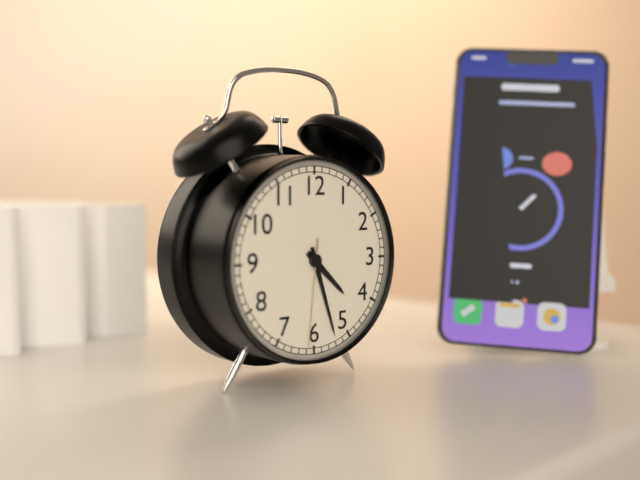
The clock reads 4.27.31
